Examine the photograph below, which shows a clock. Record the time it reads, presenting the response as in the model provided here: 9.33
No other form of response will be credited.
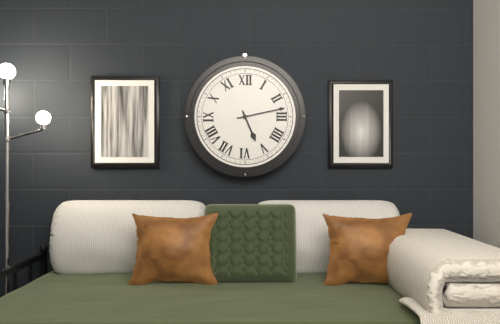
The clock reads 5.13
